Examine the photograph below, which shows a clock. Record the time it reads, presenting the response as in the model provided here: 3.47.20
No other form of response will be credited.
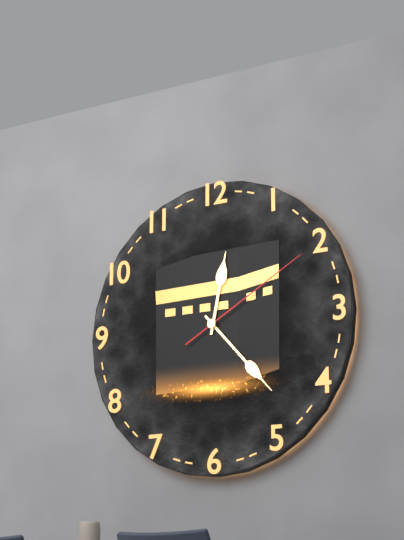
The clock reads 12.23.10
